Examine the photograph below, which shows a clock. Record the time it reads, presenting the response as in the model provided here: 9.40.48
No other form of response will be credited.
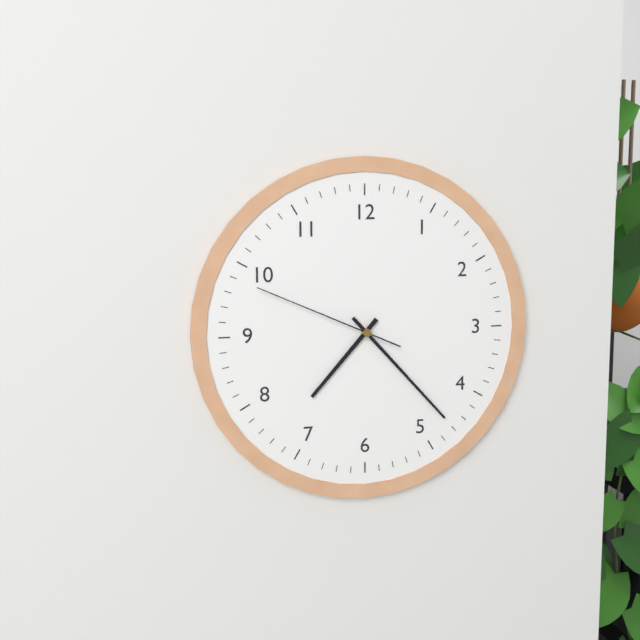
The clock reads 7.23.49
